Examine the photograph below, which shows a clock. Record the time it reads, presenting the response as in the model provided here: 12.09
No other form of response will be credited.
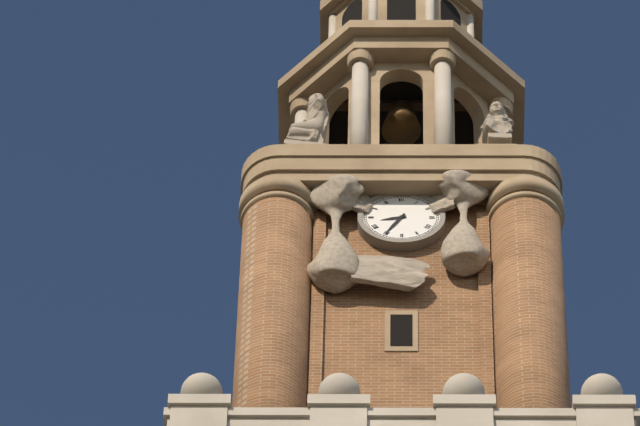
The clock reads 8.35
